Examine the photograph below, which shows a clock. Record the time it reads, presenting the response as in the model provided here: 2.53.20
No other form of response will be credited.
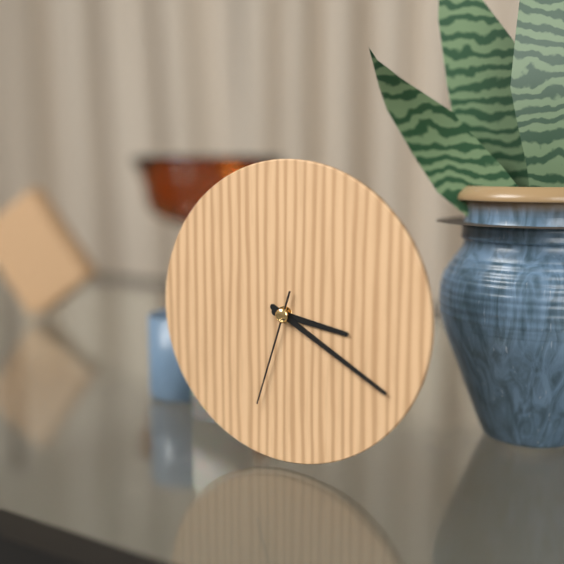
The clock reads 3.20.33
